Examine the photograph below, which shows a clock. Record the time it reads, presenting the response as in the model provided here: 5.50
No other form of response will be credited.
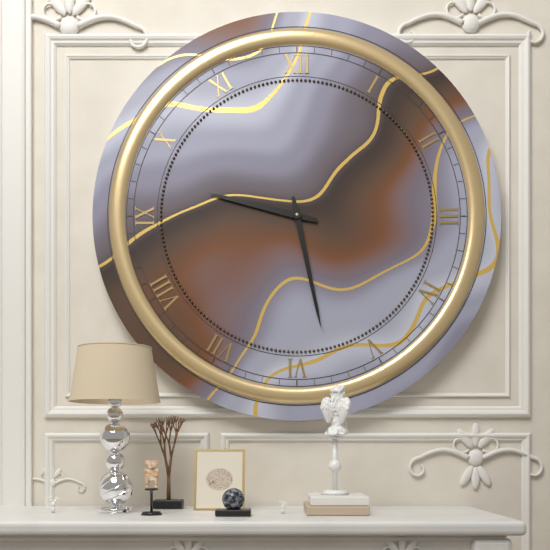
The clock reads 9.28
